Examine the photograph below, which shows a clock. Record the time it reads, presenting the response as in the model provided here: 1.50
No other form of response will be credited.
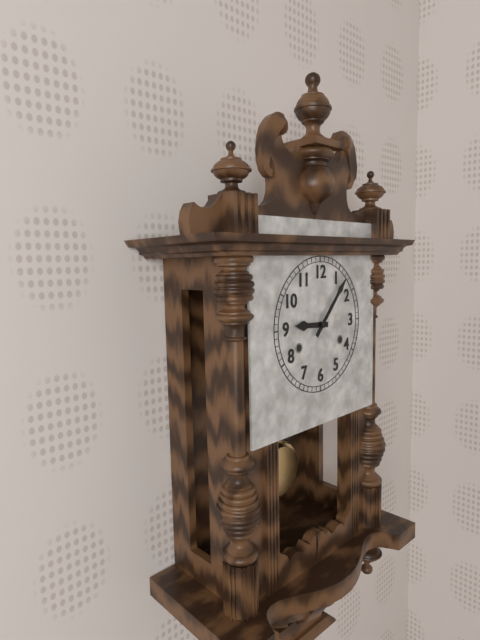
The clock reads 9.07
